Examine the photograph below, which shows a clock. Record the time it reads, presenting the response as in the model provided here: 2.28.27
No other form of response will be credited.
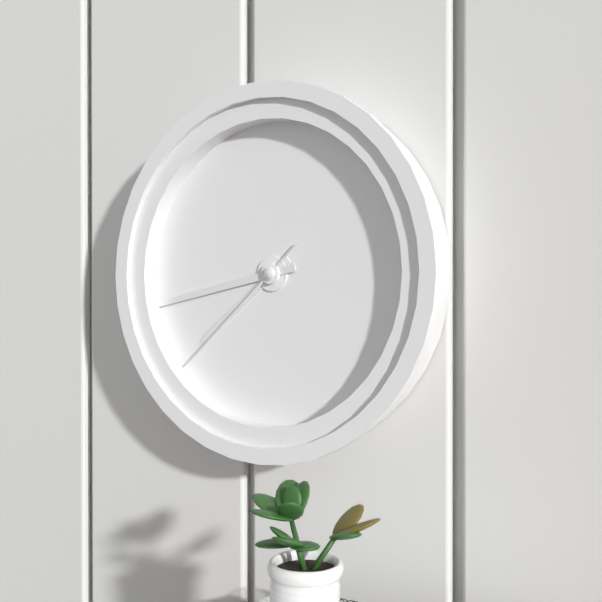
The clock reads 7.43.38
